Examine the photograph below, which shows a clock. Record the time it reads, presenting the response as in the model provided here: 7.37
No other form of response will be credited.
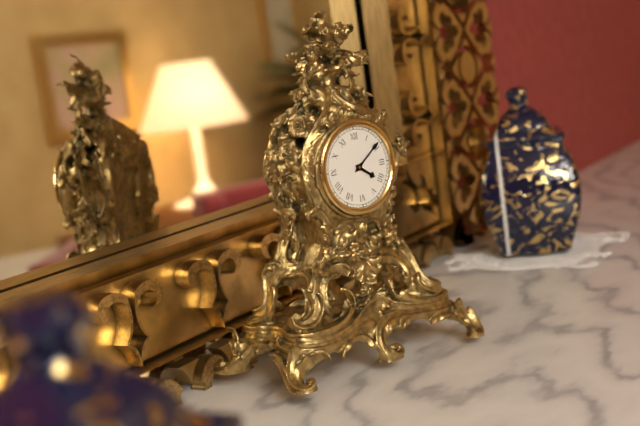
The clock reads 4.09
